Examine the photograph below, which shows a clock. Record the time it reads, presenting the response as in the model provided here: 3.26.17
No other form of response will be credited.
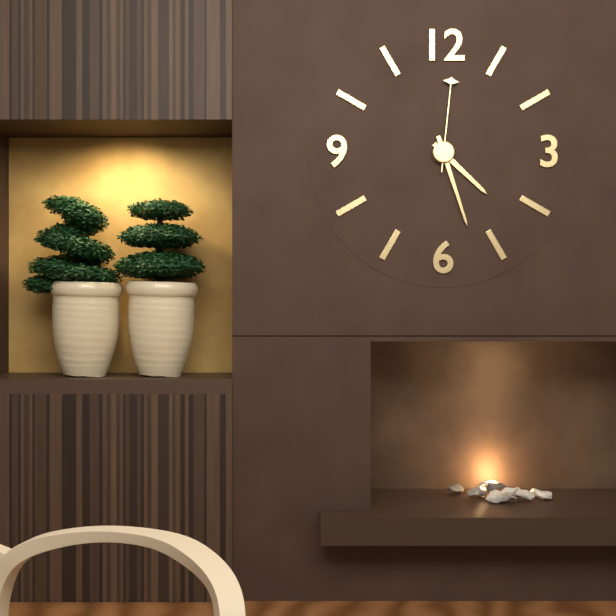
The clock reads 4.27.01
